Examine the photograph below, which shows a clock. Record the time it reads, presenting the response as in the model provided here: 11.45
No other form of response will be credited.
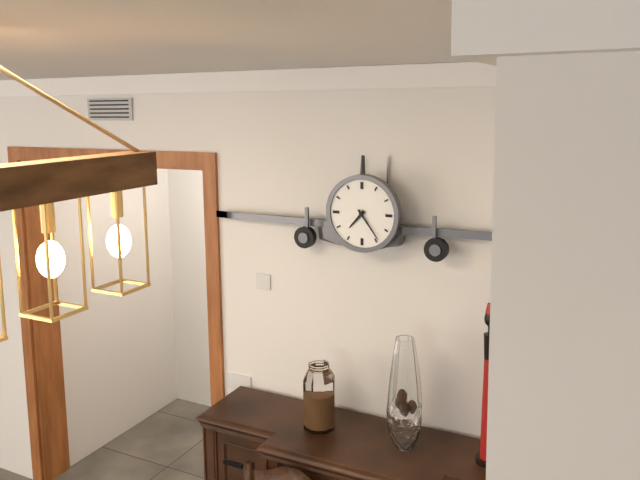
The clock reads 7.24
